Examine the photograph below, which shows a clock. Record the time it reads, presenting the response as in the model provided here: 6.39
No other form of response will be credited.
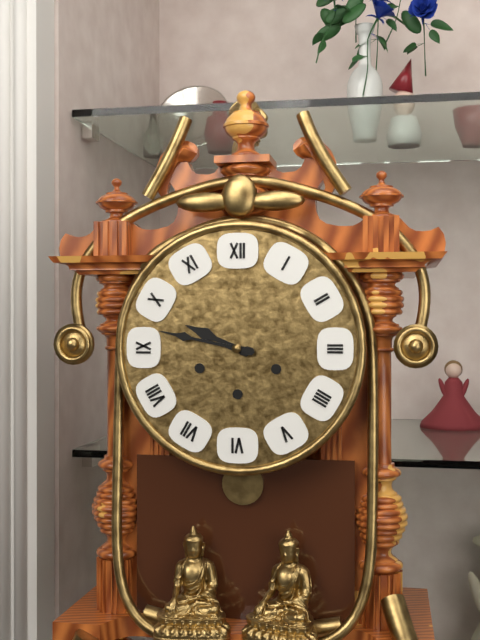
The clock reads 9.47
